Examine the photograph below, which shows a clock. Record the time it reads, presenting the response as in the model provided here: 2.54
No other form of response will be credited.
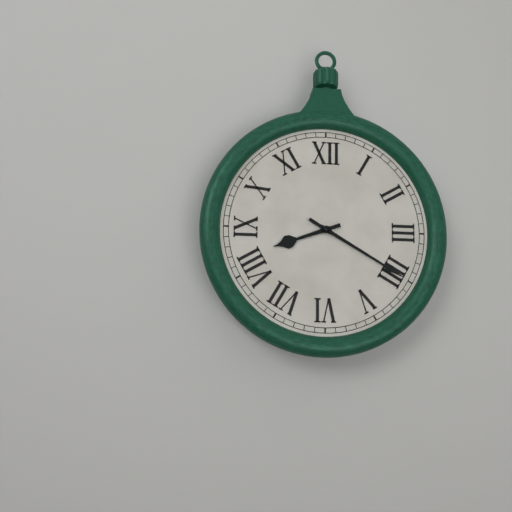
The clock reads 8.20
